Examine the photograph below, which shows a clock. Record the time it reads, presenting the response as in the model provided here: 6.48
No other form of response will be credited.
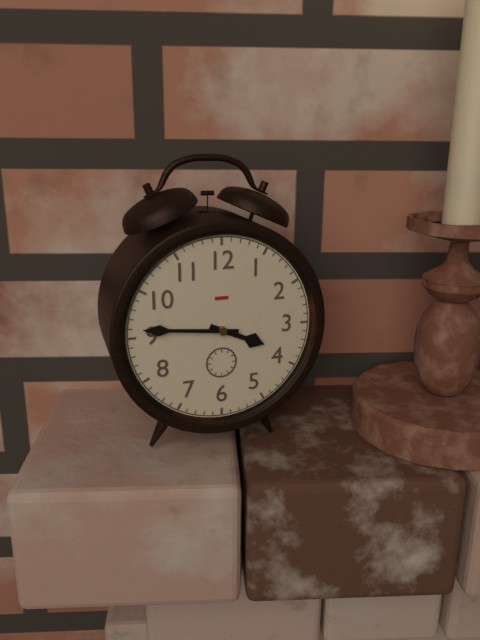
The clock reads 3.46
